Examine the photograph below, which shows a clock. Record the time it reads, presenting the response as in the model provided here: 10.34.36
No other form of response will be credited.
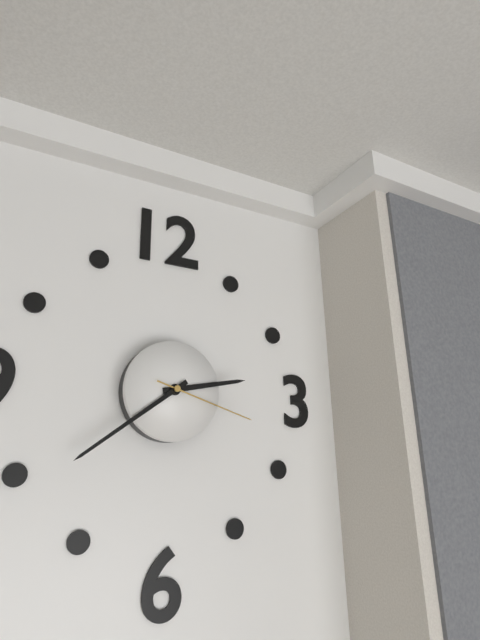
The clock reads 2.39.18
